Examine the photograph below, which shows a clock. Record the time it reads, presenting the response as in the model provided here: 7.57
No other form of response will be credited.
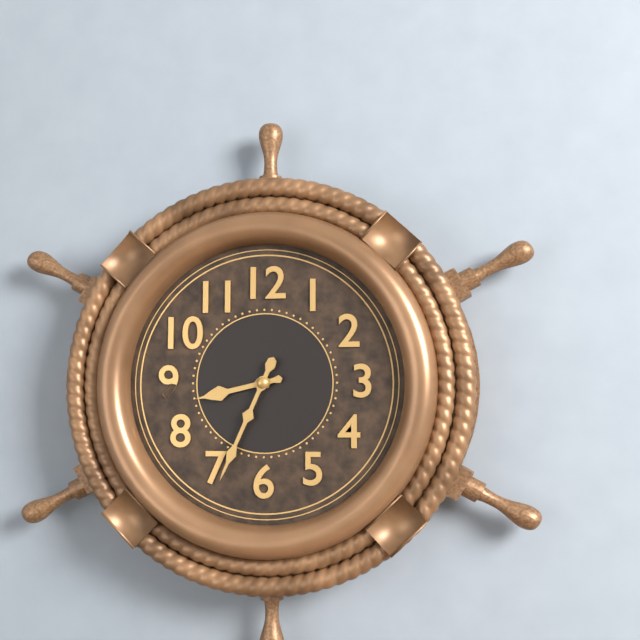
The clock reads 8.34
